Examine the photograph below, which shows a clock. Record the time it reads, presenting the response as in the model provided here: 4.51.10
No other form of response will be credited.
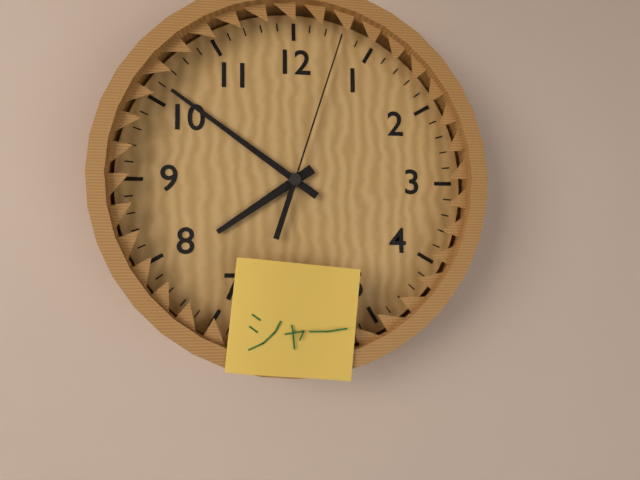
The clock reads 7.51.03
